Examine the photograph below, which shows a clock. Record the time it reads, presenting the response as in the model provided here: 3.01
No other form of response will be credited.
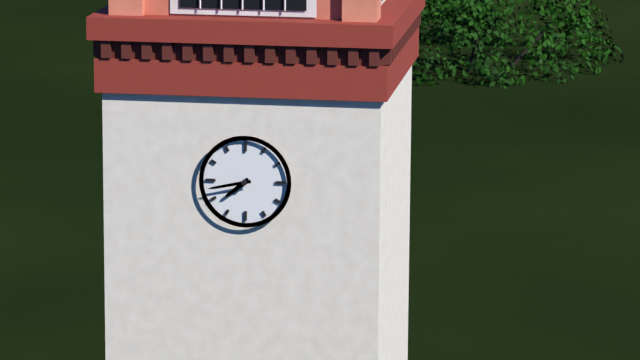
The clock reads 7.43
